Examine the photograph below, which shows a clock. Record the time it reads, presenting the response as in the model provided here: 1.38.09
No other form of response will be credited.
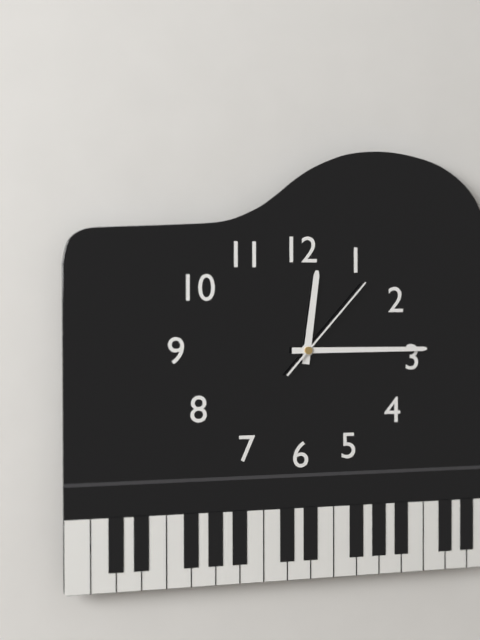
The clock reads 12.15.07
